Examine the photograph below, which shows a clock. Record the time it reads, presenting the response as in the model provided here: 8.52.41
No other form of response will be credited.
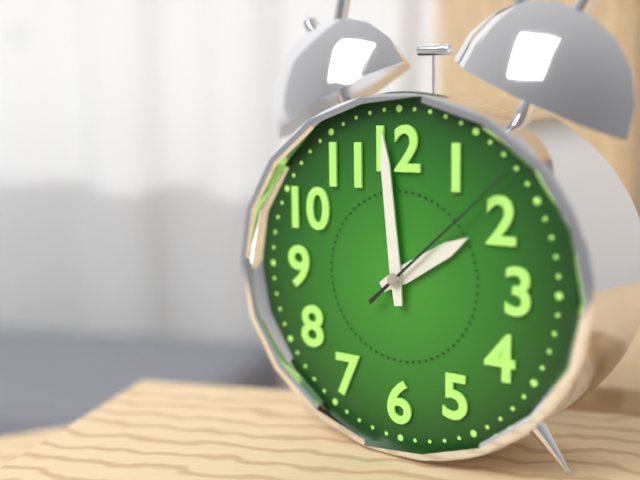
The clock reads 1.59.08
